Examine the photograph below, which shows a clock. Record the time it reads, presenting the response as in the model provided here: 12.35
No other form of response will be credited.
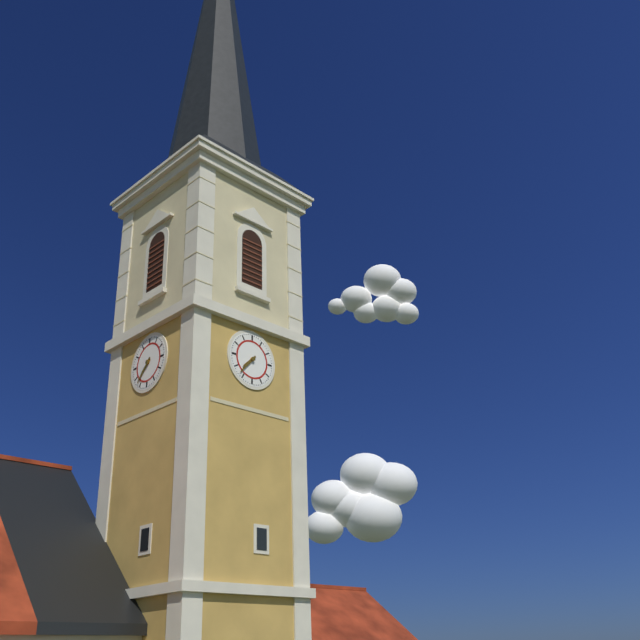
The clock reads 7.37
